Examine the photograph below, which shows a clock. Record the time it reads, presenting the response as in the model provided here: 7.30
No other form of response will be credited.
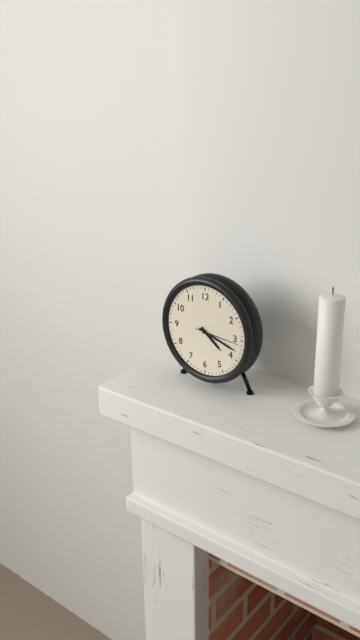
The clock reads 4.18
